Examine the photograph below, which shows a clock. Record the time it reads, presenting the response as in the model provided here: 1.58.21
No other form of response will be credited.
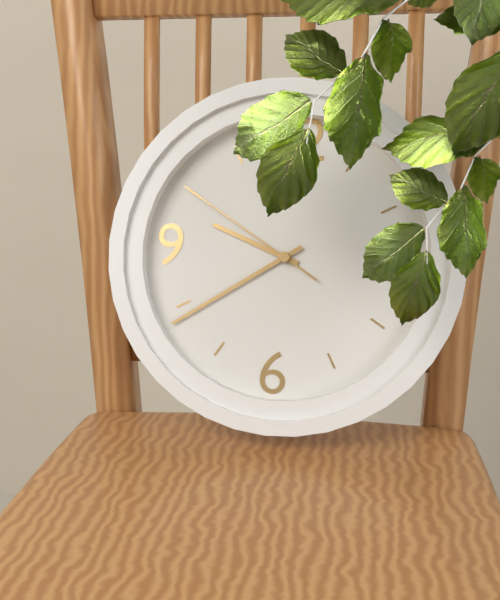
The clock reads 9.39.50
